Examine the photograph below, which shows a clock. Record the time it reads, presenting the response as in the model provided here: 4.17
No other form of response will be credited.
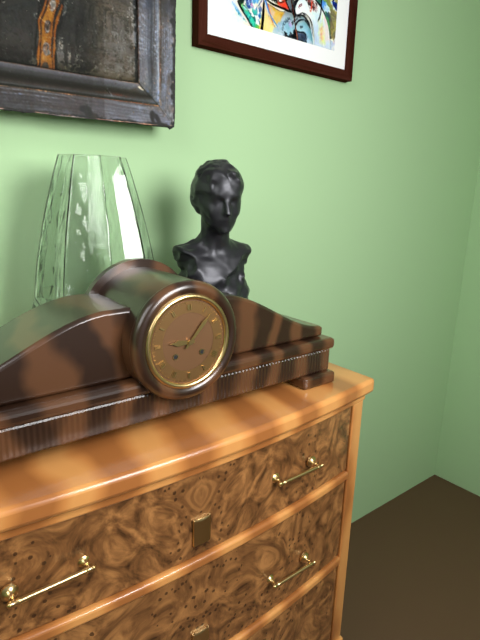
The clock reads 9.07
